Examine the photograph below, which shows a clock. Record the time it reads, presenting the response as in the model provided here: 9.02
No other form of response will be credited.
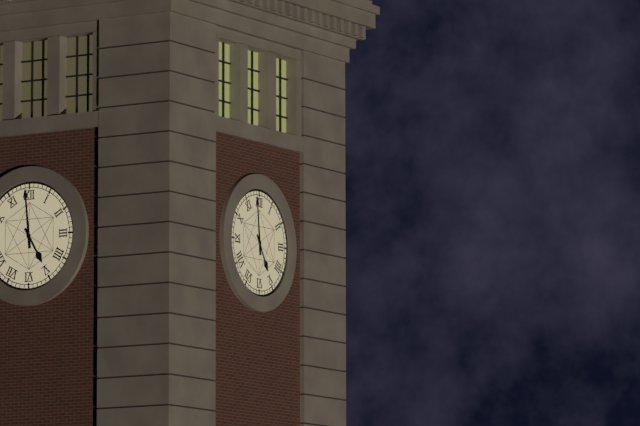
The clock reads 4.59
